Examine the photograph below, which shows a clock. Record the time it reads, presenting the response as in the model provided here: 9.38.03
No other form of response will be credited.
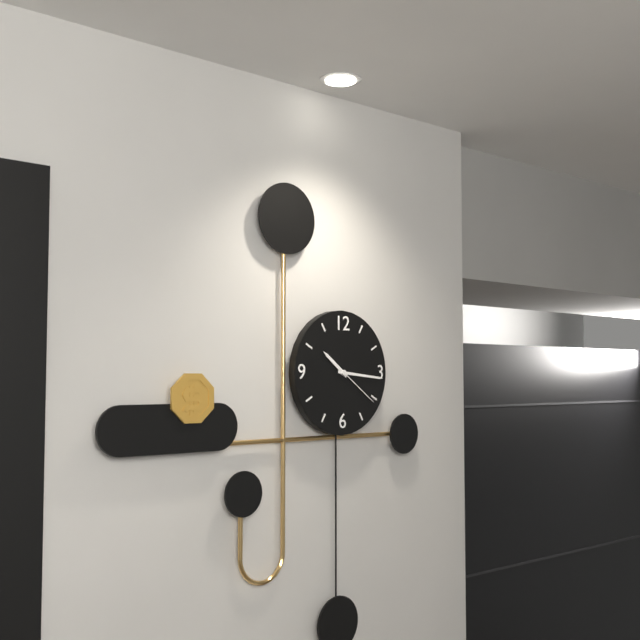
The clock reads 10.16.21
